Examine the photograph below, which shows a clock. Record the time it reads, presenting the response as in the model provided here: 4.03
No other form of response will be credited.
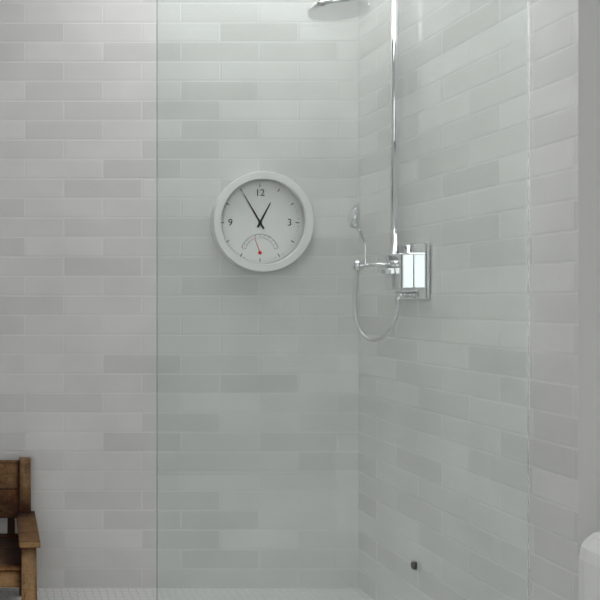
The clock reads 12.55
